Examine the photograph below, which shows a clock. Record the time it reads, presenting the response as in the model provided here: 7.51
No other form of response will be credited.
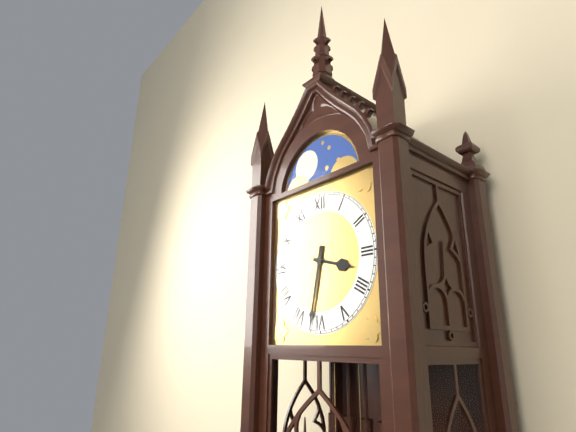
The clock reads 3.32
